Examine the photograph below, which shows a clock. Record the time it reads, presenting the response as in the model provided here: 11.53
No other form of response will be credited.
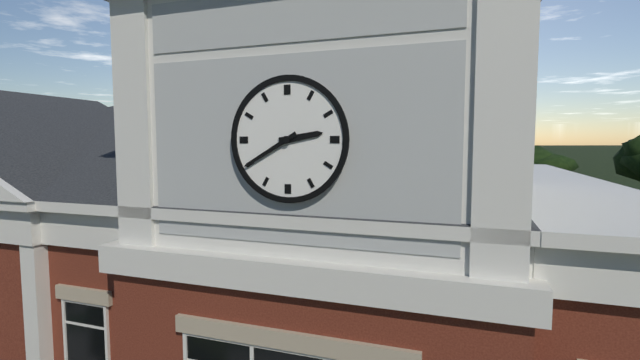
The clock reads 2.40
